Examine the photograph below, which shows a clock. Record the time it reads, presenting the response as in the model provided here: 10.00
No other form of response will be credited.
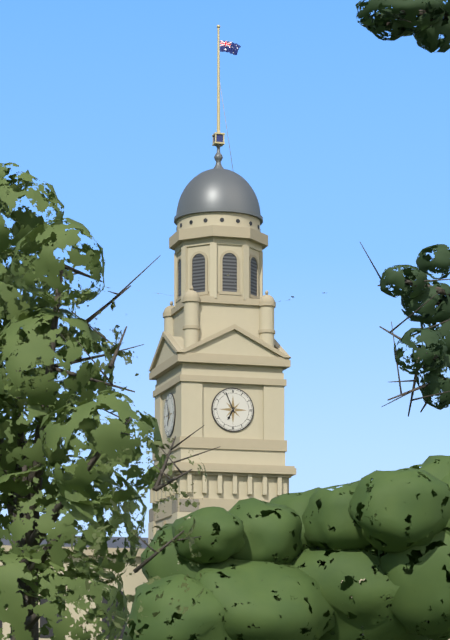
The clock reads 6.56
